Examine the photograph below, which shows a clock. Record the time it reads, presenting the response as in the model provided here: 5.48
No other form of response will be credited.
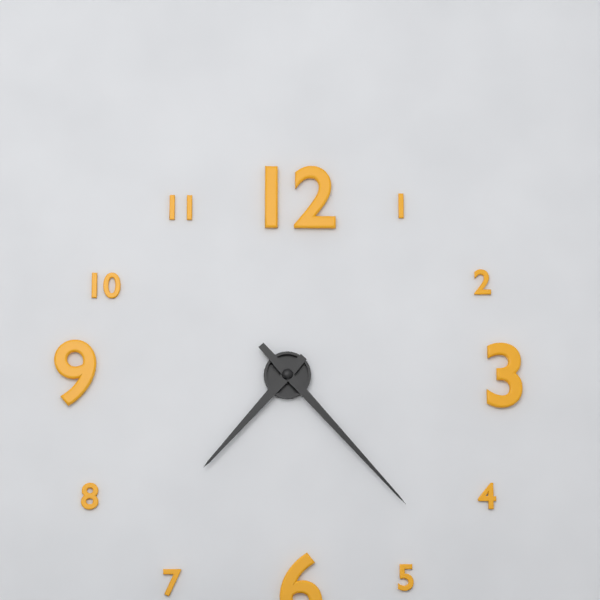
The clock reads 7.23
